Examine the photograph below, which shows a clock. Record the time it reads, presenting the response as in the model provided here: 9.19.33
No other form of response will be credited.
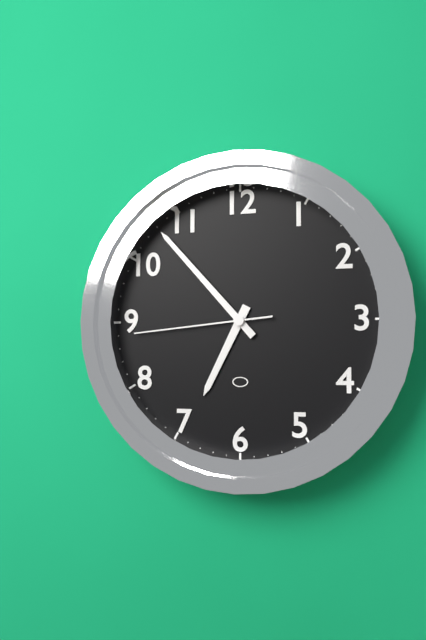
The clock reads 6.53.44
